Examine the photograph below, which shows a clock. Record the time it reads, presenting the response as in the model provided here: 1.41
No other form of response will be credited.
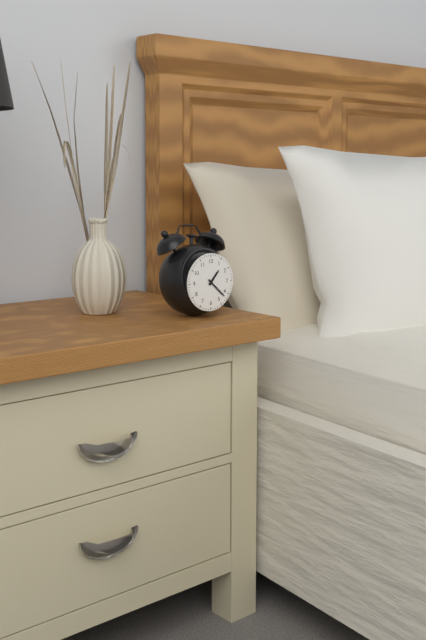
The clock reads 1.22
